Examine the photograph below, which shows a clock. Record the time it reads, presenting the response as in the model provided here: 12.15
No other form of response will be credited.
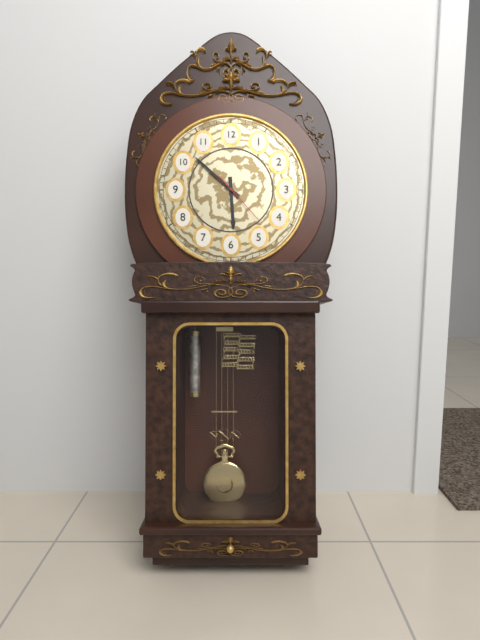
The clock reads 5.52
